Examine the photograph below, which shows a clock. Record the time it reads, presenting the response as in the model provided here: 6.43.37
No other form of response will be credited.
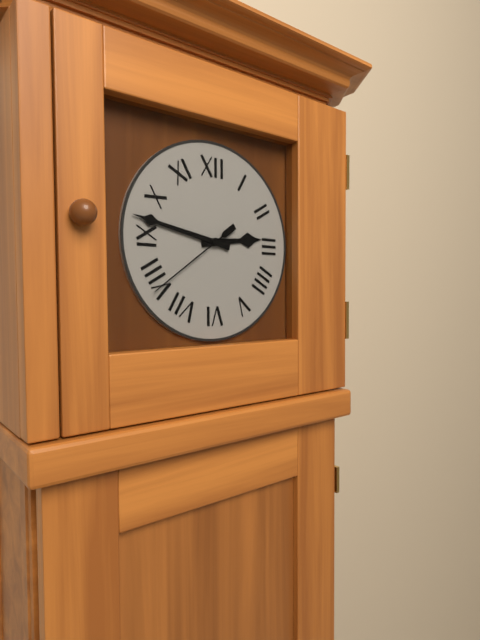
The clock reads 2.47.39
